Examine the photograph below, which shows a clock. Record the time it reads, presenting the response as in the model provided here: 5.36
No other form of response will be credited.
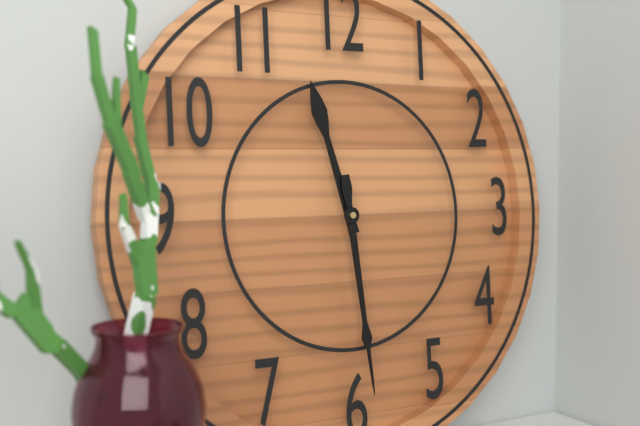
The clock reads 11.29
